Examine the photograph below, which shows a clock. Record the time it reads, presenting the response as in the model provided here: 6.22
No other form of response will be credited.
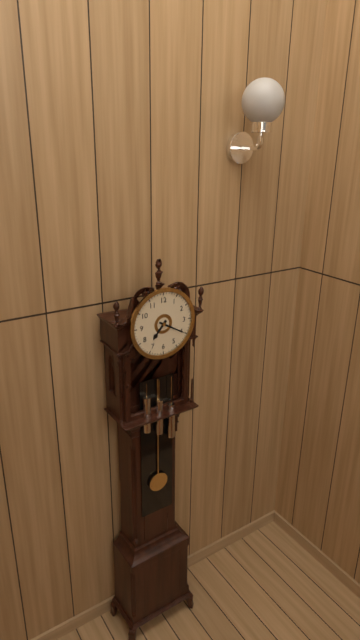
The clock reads 7.20
